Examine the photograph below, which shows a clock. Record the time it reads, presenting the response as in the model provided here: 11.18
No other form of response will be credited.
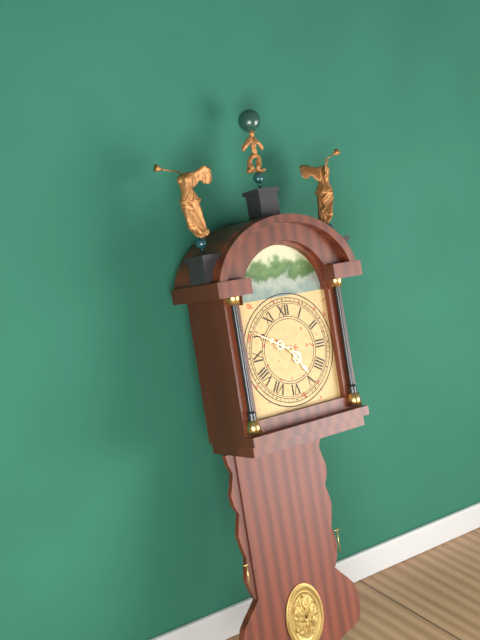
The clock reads 4.50
